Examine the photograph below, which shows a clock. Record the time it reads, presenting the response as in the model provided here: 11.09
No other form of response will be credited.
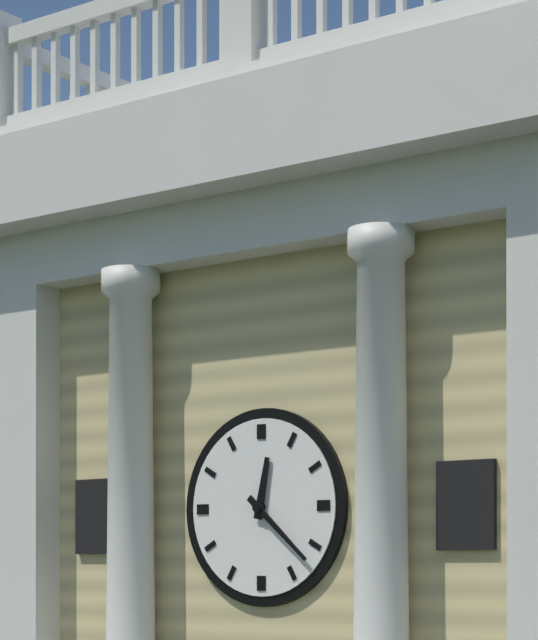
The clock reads 12.22
